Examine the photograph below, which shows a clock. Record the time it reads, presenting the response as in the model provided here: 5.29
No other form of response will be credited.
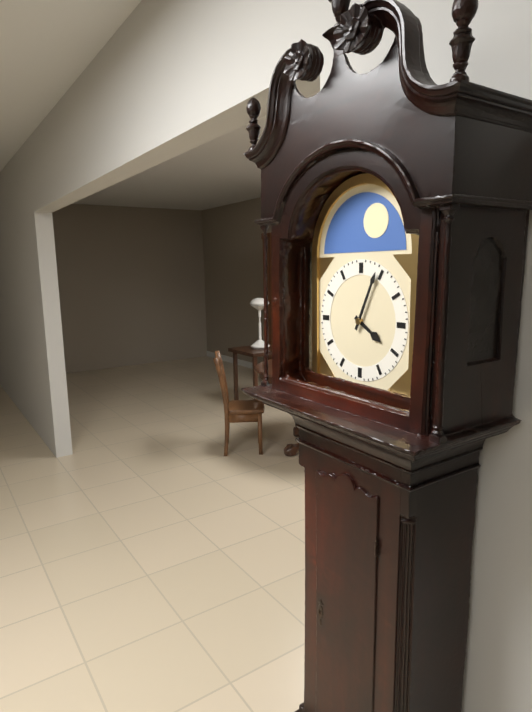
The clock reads 4.04
